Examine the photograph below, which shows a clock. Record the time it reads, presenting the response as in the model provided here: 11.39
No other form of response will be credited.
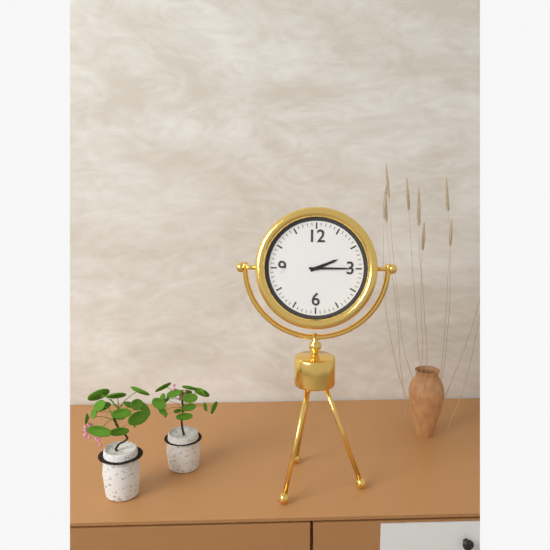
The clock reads 2.15
